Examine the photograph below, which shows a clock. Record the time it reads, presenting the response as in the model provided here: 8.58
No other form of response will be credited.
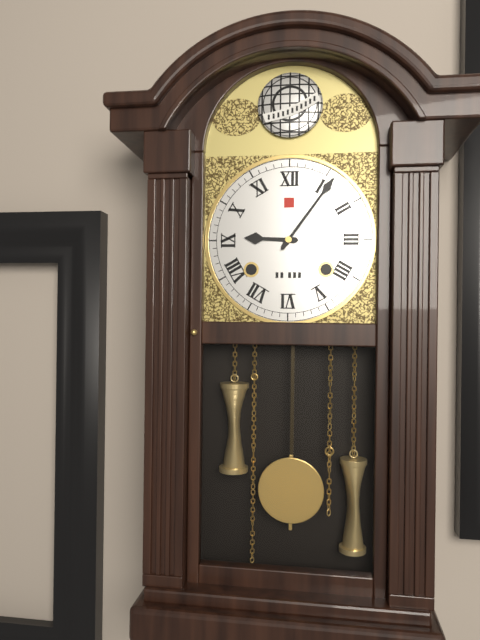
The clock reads 9.06
